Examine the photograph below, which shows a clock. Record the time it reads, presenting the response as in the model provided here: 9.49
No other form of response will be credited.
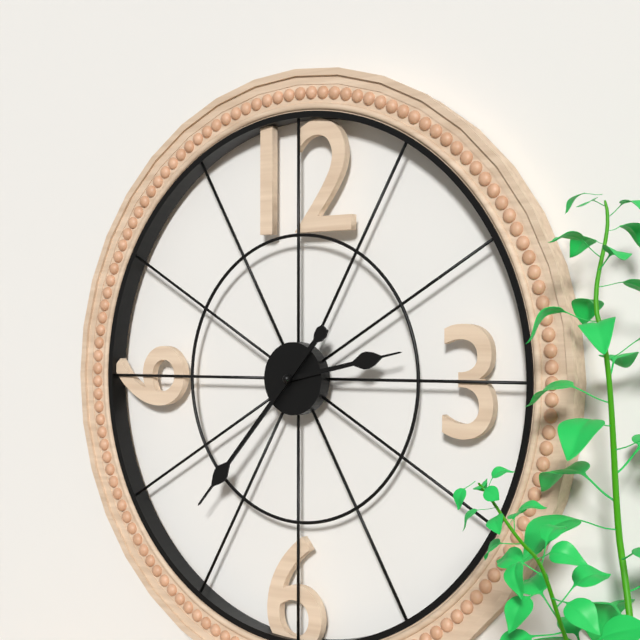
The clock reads 2.37
